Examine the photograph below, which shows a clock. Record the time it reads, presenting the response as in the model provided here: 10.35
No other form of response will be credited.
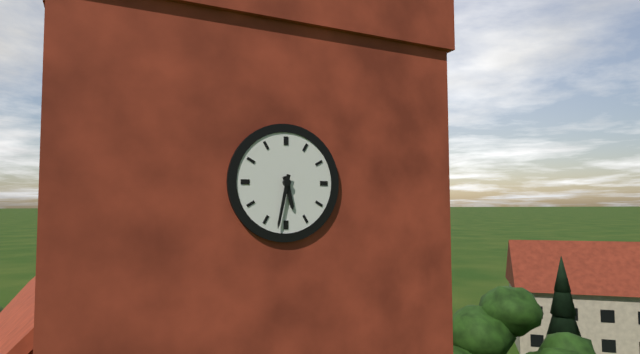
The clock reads 5.32
